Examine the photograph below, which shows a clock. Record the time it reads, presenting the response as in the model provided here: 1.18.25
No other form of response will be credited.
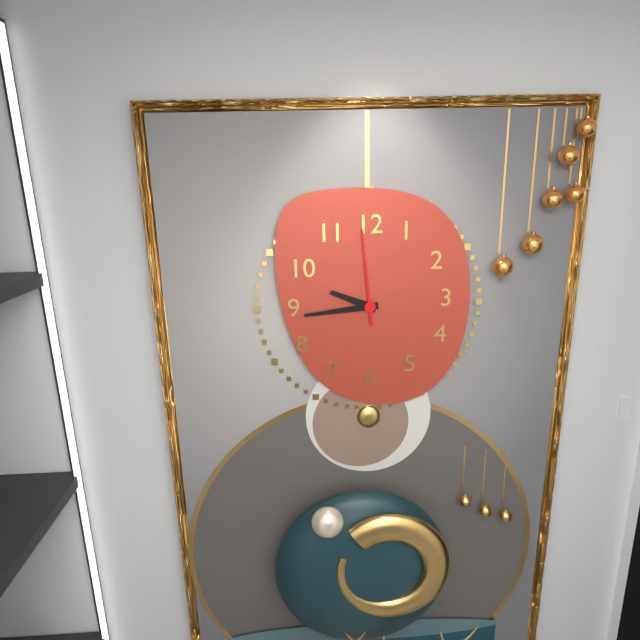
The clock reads 9.44.59
